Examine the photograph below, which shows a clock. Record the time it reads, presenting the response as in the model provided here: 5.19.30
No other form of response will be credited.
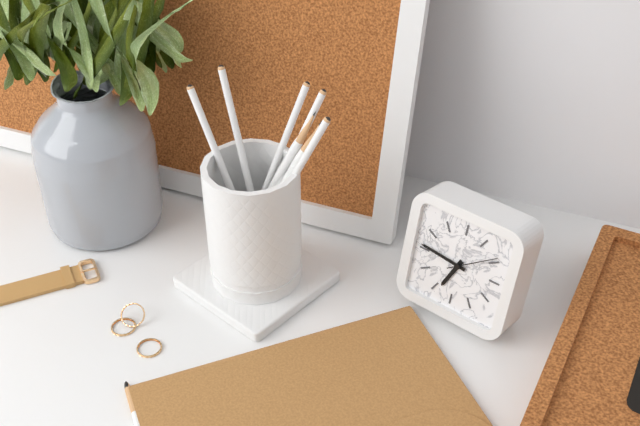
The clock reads 6.46.09
